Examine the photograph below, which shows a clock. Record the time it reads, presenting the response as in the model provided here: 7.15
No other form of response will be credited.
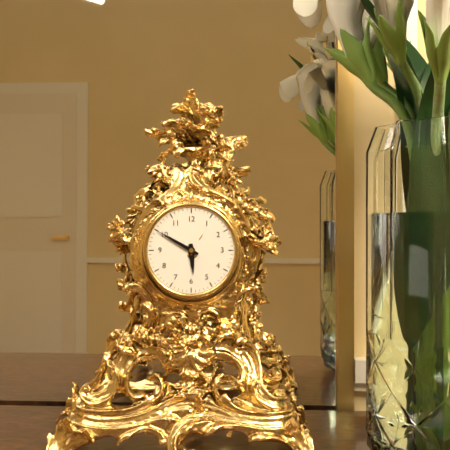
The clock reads 5.50
